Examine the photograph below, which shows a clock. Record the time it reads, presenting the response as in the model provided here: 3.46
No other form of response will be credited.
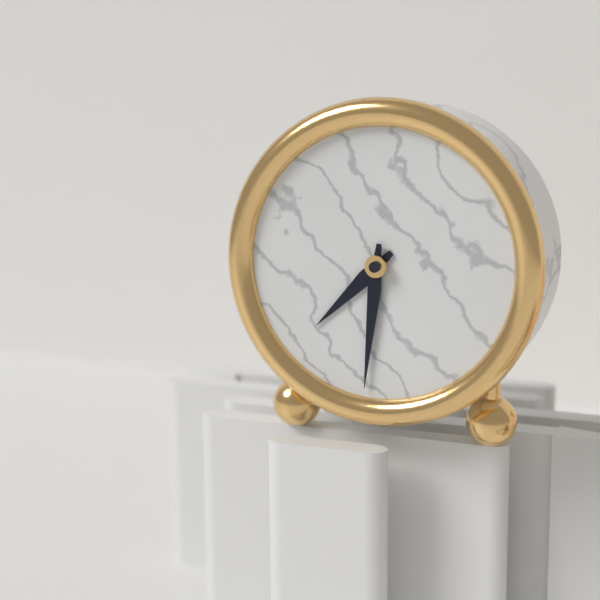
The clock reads 7.31
